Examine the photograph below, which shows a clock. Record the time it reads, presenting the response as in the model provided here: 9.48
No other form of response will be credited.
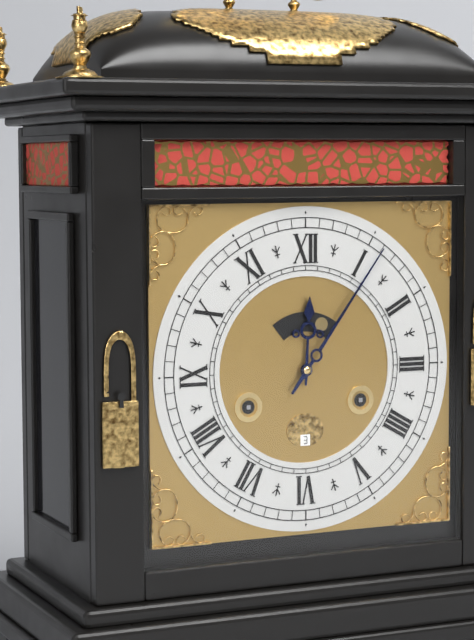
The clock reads 12.06
